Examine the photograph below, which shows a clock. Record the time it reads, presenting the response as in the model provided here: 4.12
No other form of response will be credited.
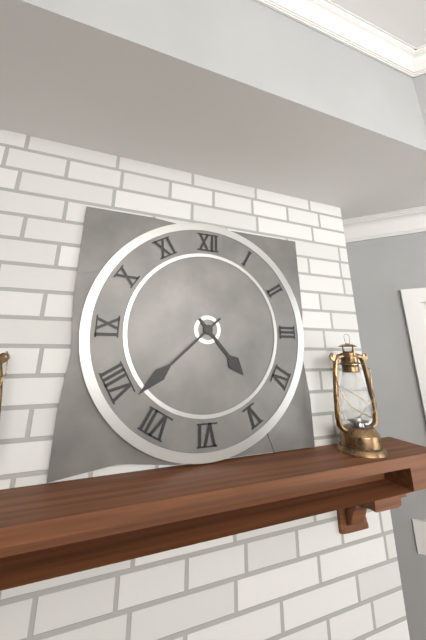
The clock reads 4.38
